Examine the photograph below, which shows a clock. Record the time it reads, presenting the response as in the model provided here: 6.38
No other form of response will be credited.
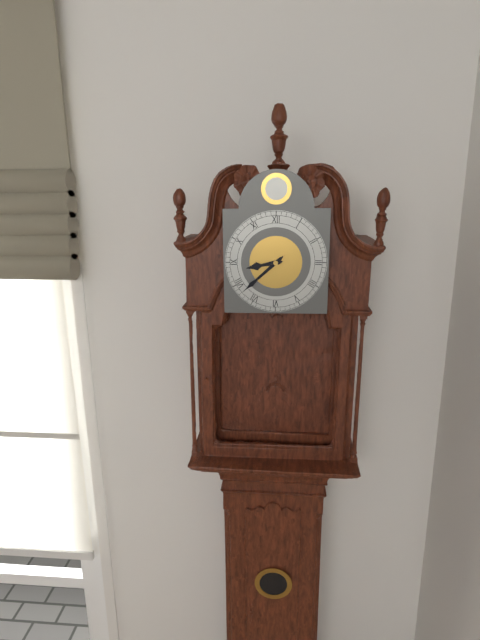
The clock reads 8.38
